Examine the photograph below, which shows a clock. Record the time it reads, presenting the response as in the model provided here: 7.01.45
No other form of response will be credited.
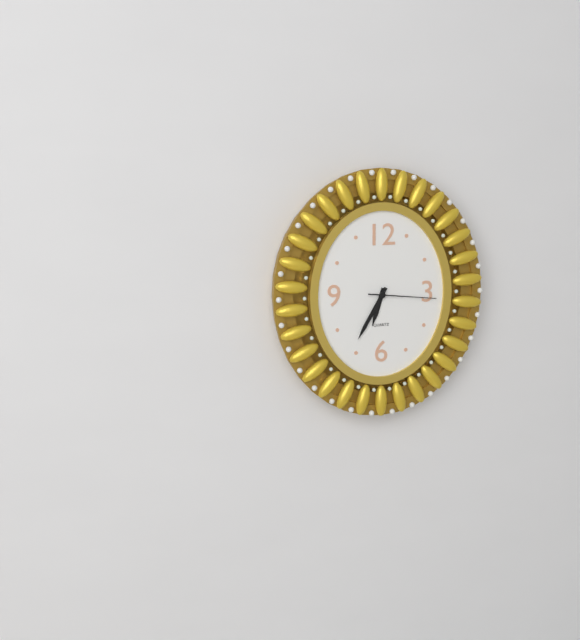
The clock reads 6.35.16
